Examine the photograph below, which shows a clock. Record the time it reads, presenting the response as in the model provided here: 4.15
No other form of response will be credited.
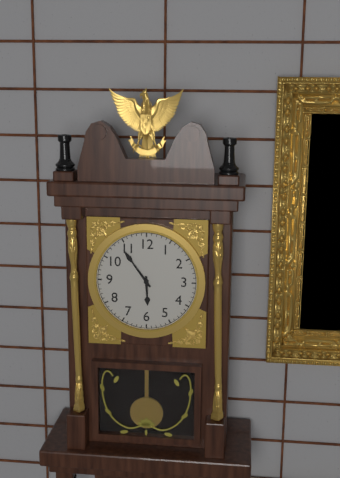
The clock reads 5.54
